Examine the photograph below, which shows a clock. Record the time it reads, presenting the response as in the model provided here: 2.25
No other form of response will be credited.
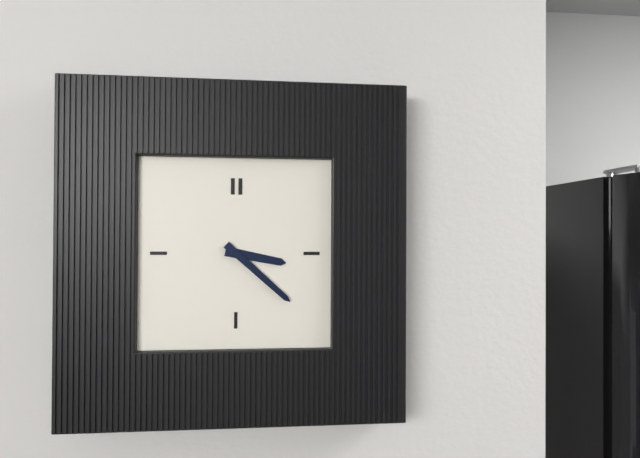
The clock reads 3.22
